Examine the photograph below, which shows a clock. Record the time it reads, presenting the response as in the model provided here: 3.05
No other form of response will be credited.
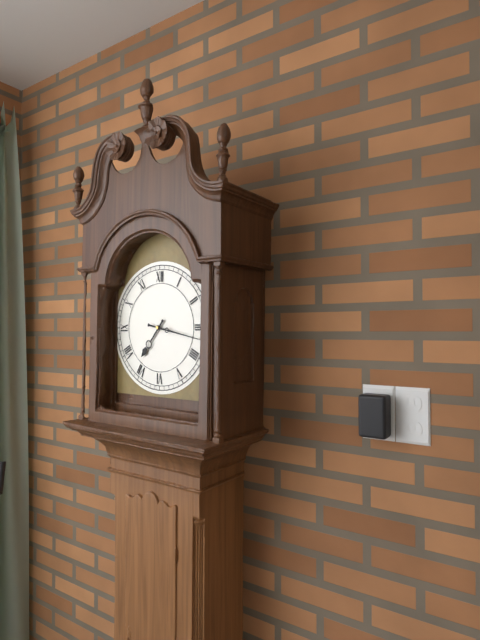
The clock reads 7.17
